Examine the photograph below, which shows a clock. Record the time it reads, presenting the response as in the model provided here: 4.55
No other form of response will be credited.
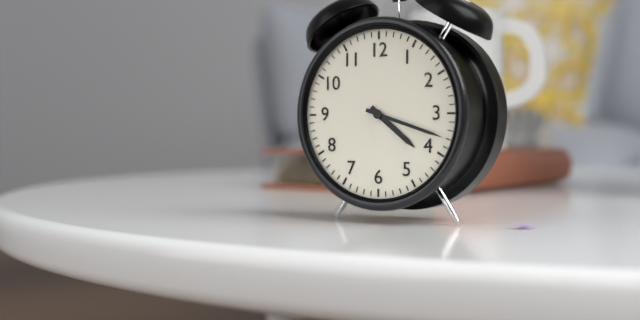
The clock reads 4.18
